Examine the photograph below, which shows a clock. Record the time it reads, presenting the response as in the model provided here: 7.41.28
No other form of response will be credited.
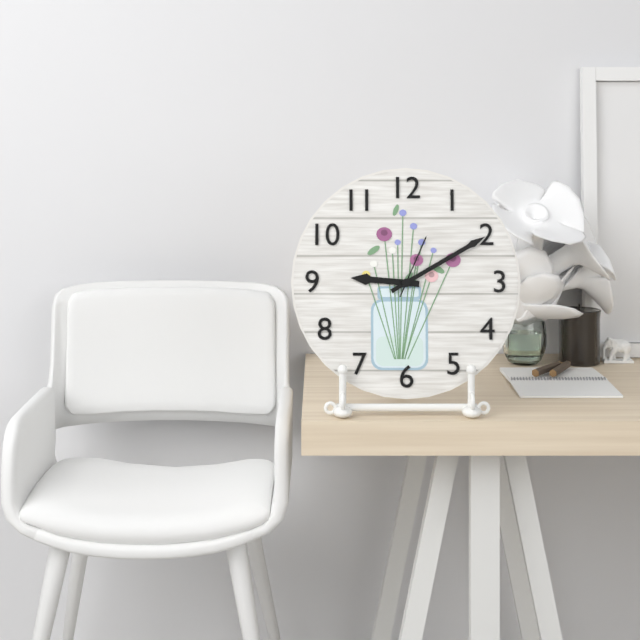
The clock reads 9.10.04
